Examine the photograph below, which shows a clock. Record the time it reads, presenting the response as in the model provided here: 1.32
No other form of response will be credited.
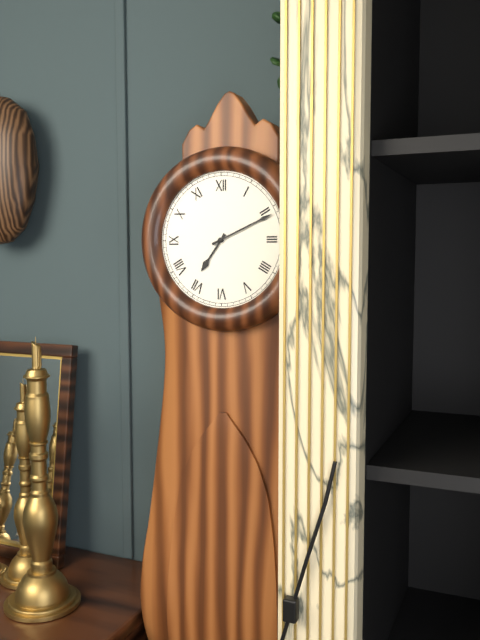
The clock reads 7.11
